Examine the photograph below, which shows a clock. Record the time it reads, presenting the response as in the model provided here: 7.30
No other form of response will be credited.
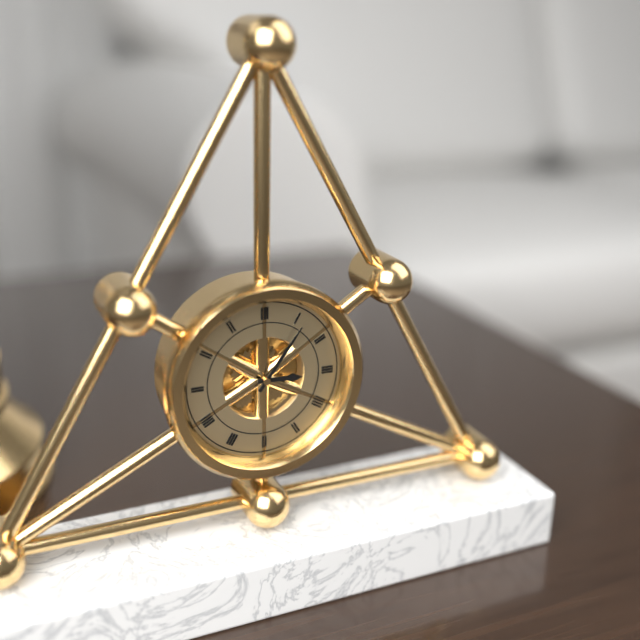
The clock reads 3.06
